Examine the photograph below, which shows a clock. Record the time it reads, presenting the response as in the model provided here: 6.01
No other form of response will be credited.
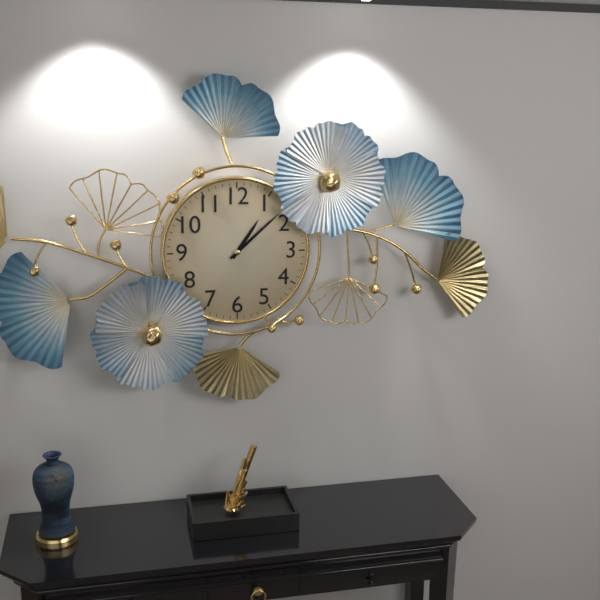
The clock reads 1.08
